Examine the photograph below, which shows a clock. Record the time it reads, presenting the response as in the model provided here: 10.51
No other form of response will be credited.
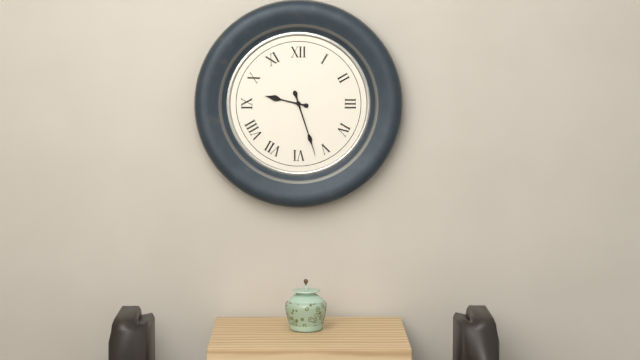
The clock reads 9.27
